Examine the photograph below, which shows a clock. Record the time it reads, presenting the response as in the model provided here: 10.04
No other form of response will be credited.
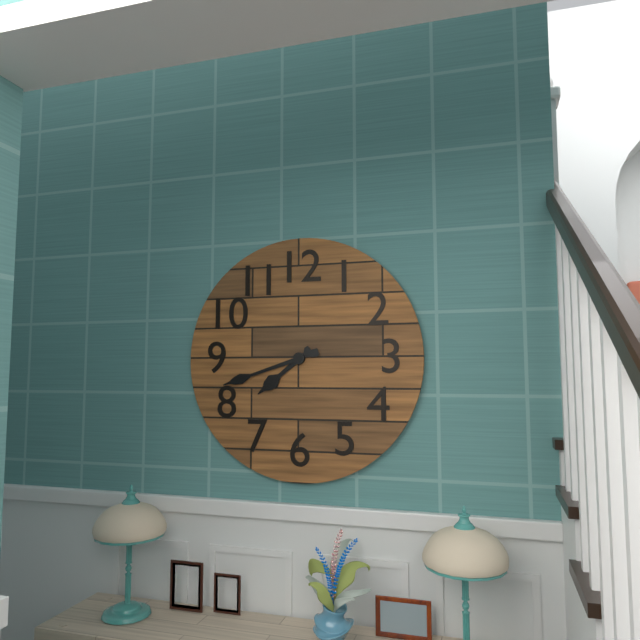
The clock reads 7.42
